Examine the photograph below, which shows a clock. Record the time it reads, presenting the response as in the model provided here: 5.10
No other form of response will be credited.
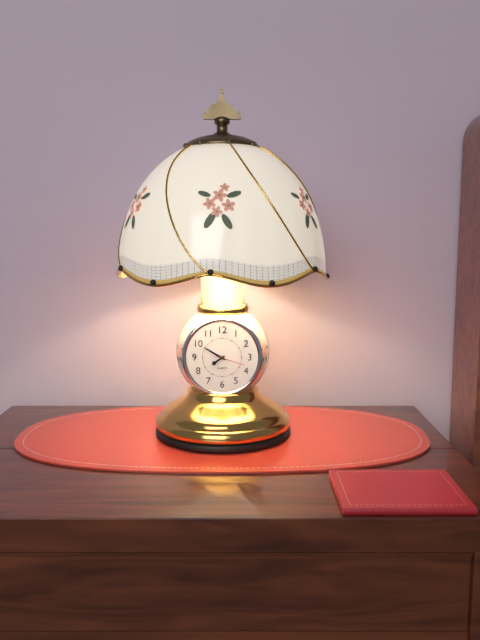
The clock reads 7.50
